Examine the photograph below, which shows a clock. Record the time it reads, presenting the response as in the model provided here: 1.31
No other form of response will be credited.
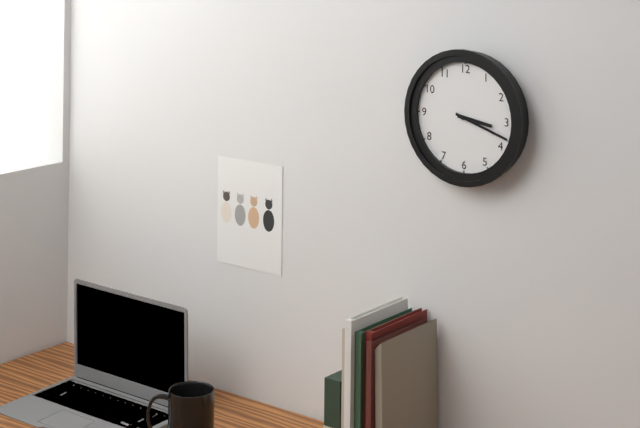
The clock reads 3.18
